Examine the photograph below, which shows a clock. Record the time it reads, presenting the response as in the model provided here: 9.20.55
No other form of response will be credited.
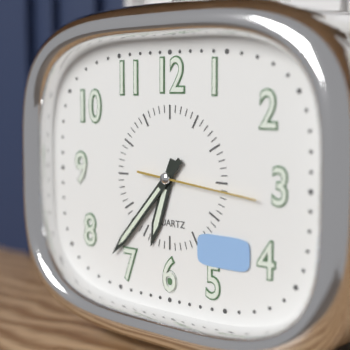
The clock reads 6.37.16
